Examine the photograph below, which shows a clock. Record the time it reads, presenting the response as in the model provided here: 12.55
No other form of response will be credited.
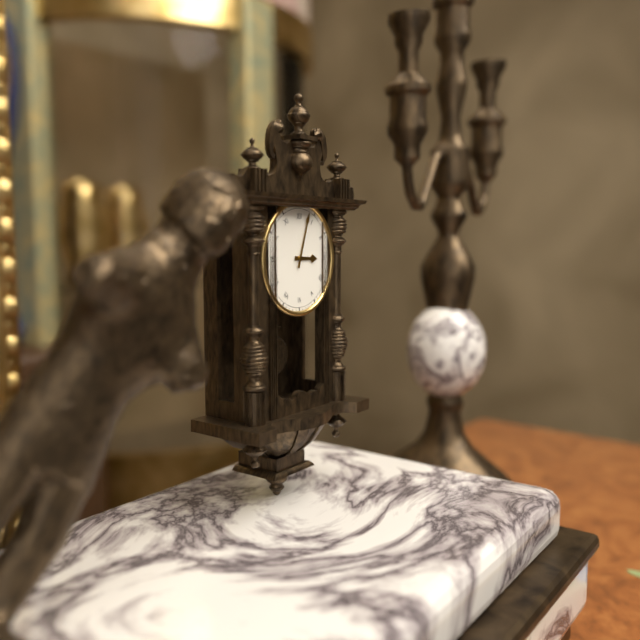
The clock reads 3.03
